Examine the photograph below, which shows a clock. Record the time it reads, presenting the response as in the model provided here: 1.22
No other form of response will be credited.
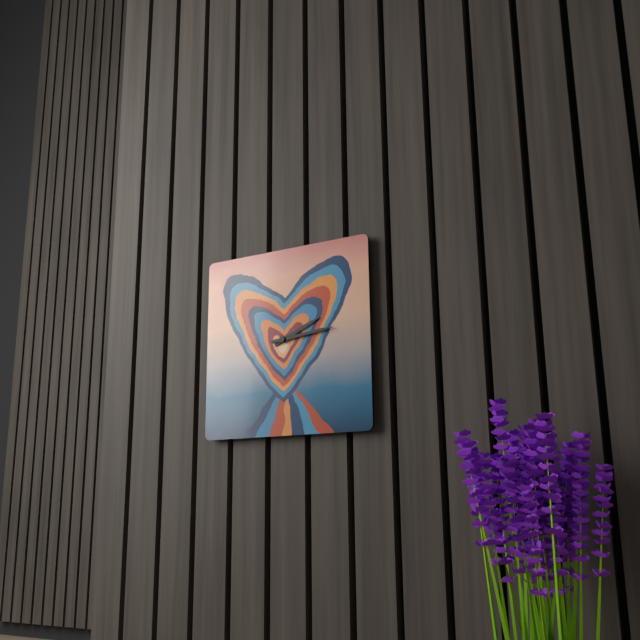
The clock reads 2.14
